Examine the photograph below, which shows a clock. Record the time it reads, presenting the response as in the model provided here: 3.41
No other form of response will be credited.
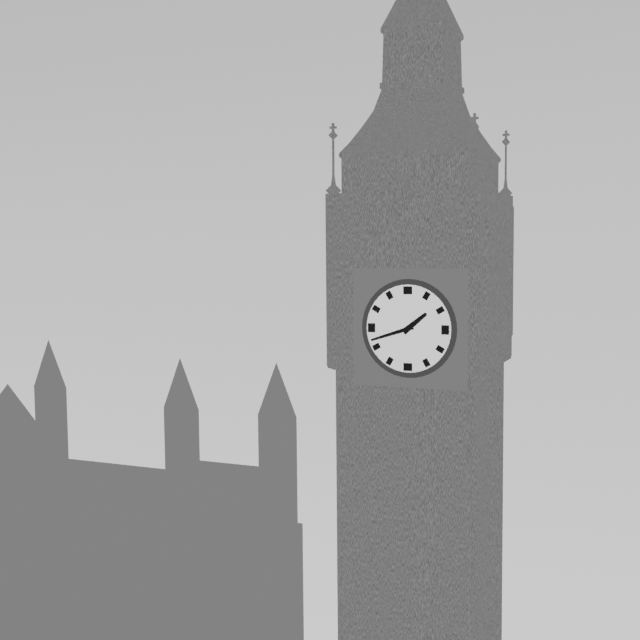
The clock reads 1.42
